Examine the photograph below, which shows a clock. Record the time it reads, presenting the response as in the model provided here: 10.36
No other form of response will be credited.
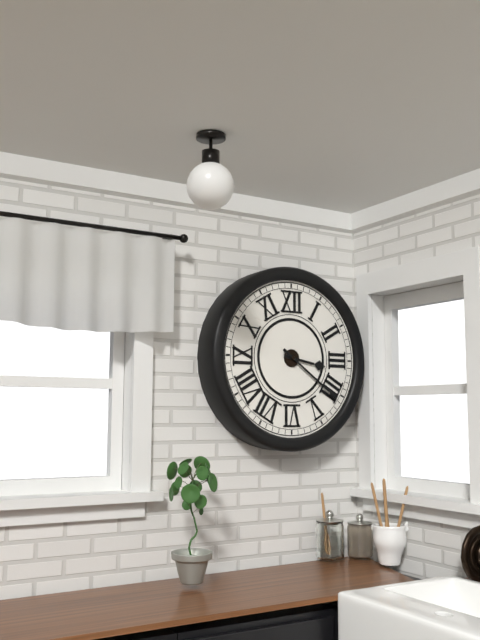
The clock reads 3.21
